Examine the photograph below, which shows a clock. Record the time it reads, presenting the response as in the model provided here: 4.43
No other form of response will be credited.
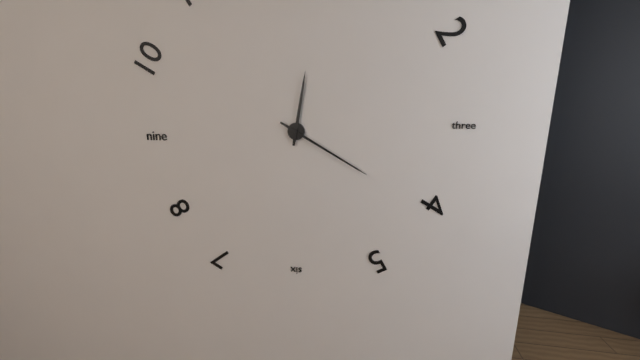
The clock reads 12.20
